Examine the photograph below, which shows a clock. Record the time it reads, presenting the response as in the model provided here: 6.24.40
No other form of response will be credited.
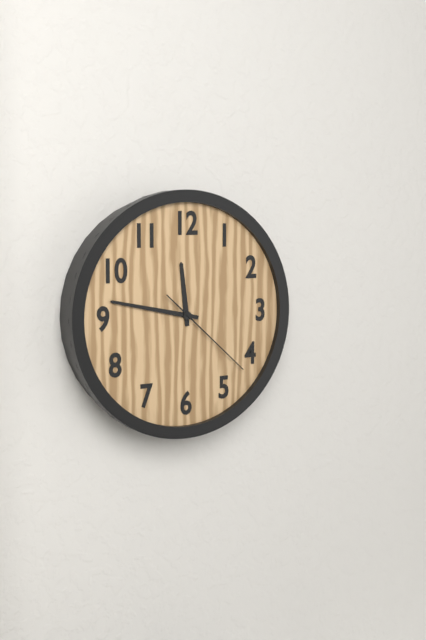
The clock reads 11.47.22
